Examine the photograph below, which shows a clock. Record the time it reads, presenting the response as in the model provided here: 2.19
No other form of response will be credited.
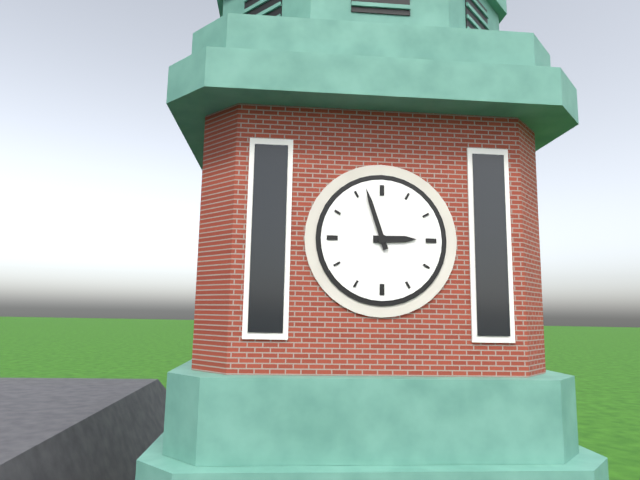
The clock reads 2.57
